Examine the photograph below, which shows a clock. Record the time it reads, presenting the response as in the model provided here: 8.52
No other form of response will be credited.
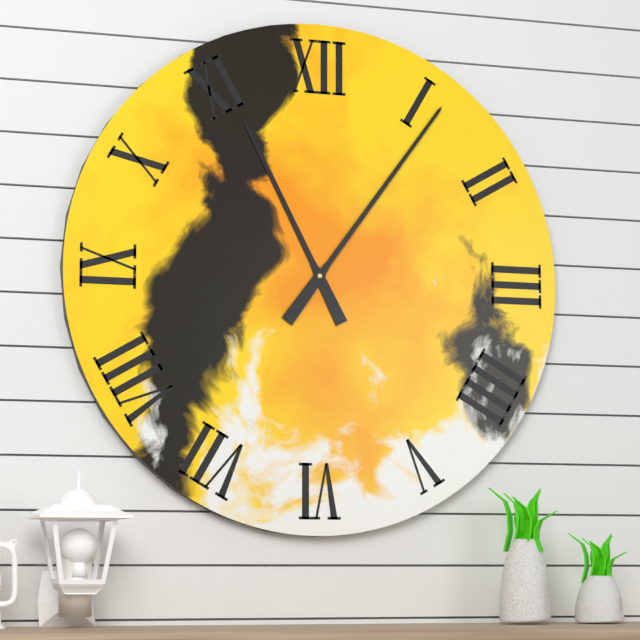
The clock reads 11.06
